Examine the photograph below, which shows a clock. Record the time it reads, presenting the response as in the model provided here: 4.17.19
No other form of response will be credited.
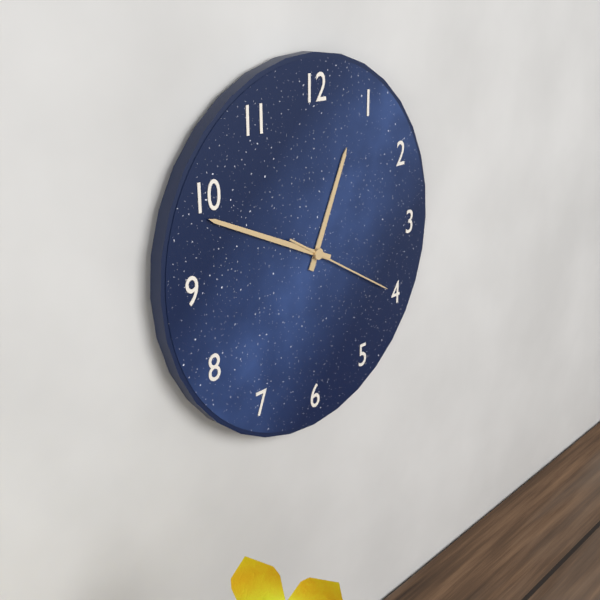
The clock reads 12.49.20
